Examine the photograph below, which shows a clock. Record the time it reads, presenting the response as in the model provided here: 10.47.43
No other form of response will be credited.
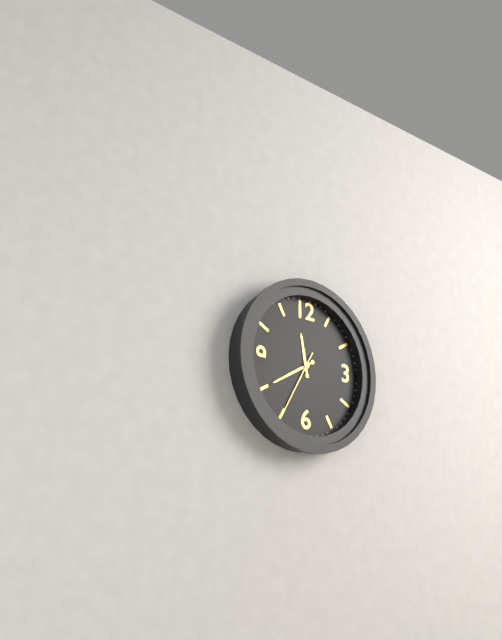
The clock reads 11.40.35
